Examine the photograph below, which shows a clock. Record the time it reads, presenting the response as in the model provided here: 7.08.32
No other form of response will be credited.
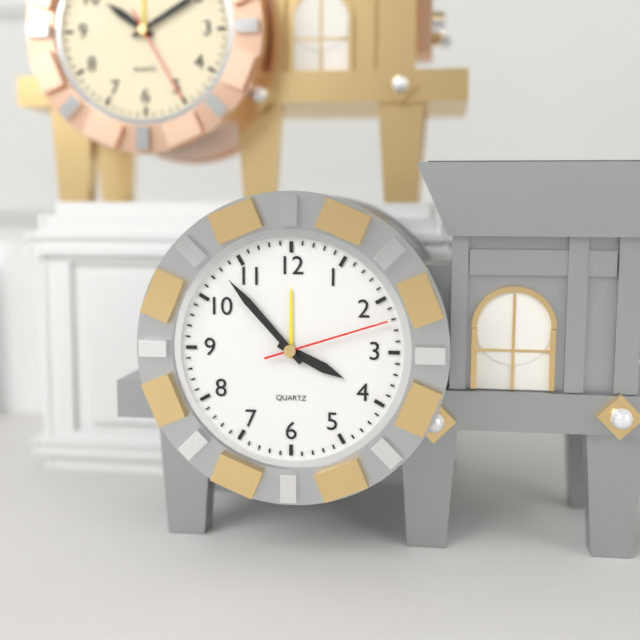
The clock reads 3.53.12
